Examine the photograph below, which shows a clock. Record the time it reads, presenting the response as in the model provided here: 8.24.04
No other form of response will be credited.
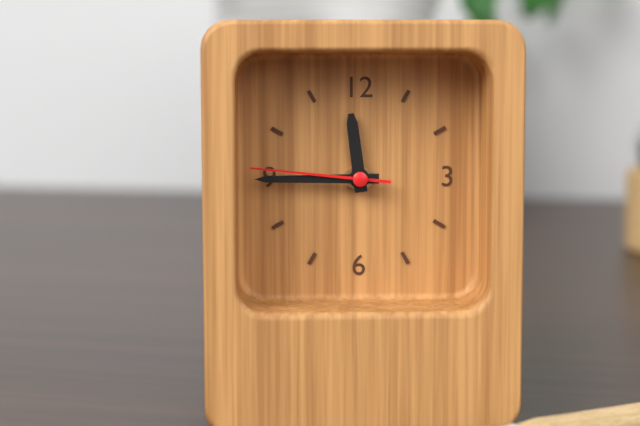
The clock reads 11.45.46
